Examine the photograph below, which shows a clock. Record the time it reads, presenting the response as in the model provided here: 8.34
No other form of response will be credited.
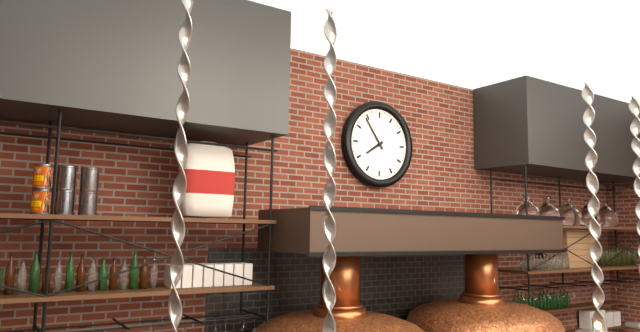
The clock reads 7.54
